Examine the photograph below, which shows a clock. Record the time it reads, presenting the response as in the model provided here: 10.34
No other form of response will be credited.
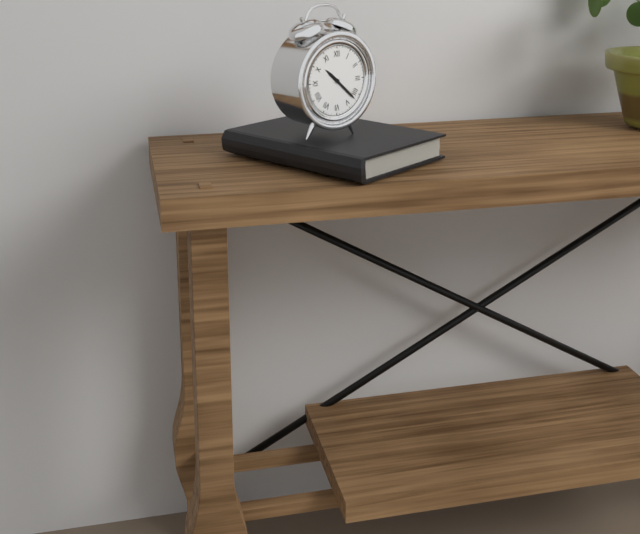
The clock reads 10.22
